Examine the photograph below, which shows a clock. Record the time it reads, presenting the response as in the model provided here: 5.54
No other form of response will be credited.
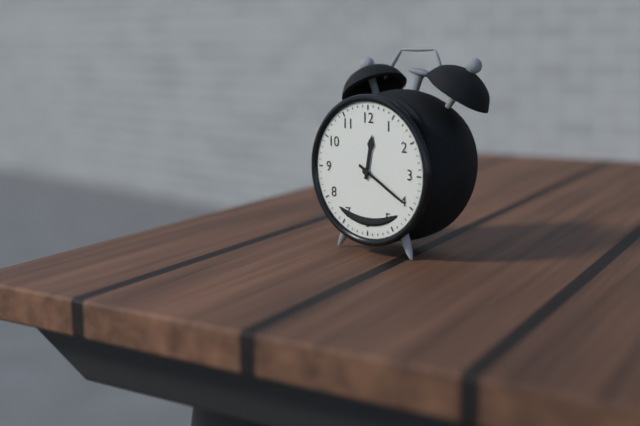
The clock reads 12.20
